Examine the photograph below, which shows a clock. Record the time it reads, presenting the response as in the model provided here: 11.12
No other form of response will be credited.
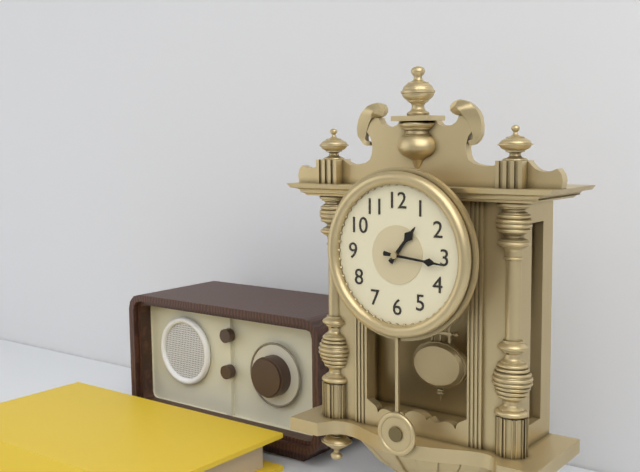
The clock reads 1.16
